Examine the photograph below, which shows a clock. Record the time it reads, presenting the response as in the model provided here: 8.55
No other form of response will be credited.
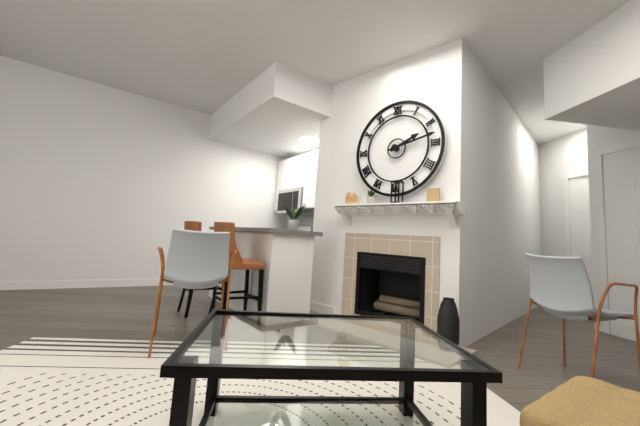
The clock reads 2.13
